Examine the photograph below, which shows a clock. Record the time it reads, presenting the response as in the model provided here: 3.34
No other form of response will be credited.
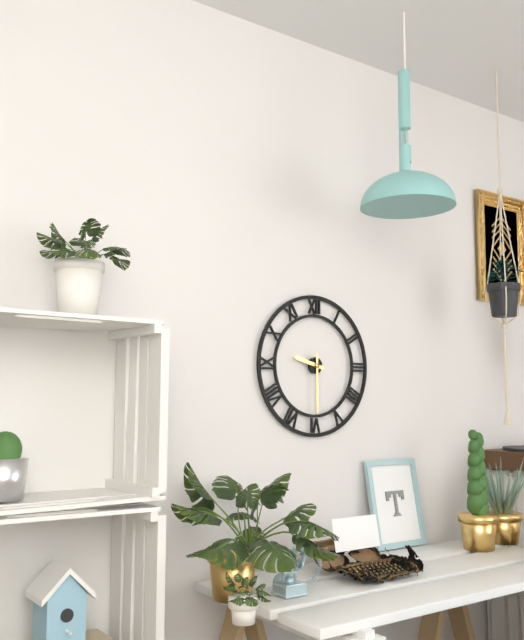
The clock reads 9.30
